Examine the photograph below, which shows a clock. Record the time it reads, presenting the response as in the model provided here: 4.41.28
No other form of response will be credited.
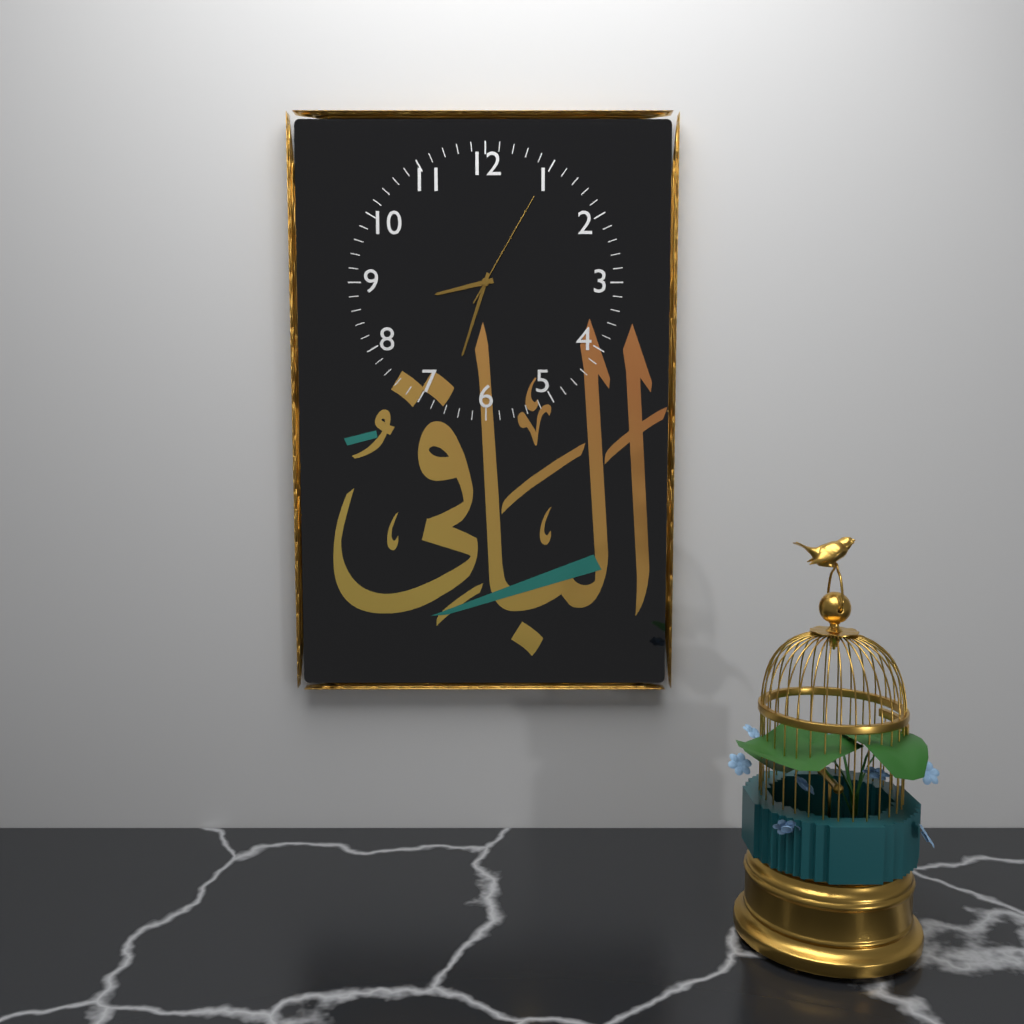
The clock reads 8.33.05
